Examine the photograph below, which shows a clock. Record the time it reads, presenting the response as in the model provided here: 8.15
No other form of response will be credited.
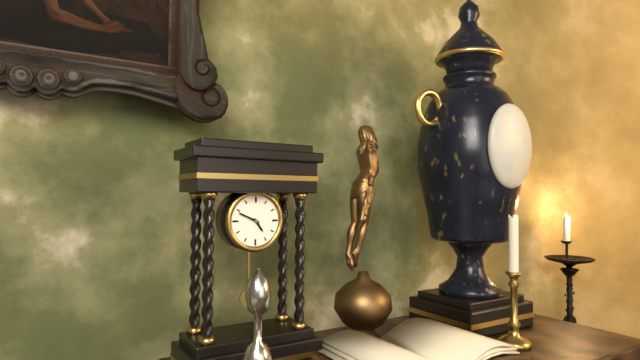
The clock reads 4.49
